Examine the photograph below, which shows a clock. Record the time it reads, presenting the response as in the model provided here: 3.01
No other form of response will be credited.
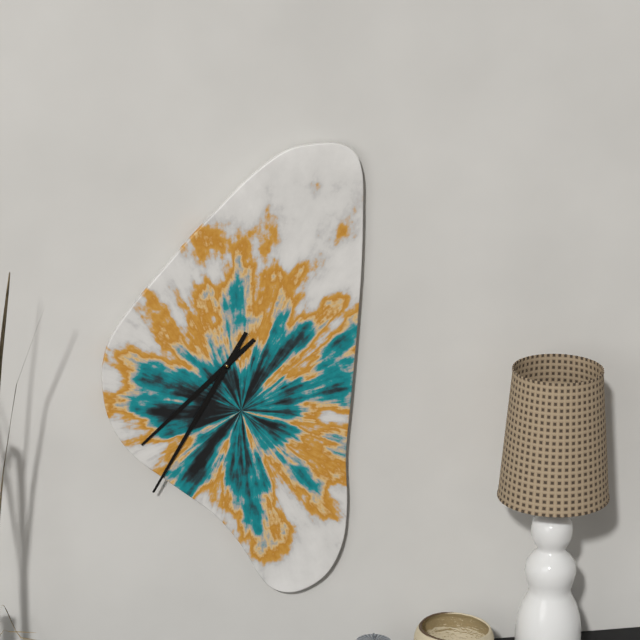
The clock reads 7.35
